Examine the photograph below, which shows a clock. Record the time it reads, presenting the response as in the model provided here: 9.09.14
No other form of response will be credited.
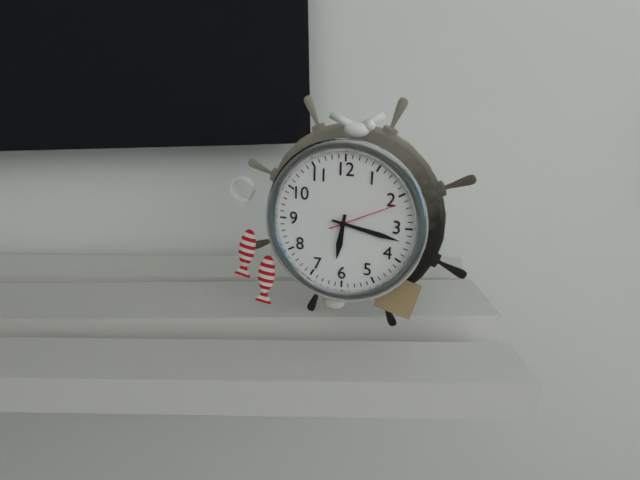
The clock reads 6.17.11
